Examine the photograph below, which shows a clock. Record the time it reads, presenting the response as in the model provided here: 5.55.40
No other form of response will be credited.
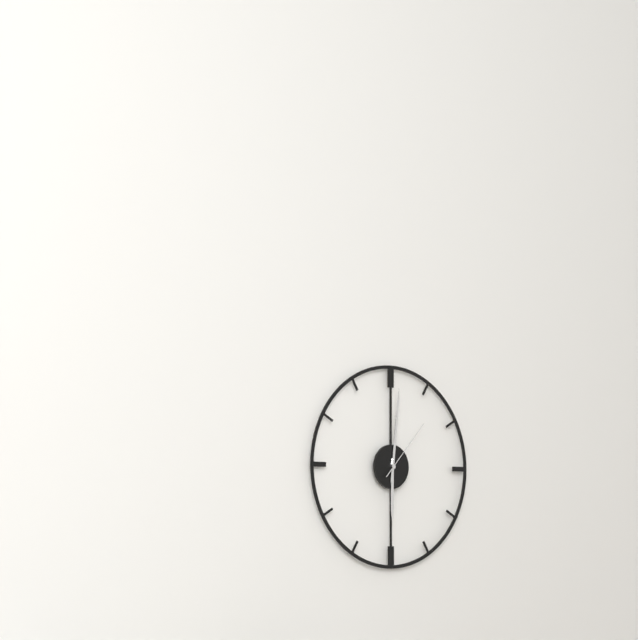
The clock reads 6.01.07
